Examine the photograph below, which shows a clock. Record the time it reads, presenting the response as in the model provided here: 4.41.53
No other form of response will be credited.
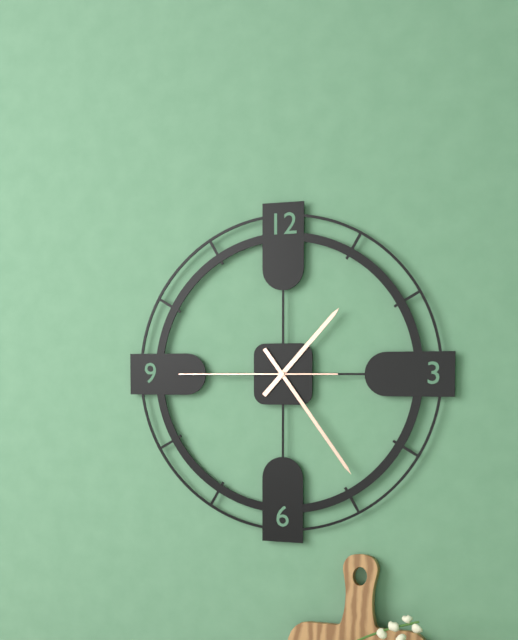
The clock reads 1.24.45
